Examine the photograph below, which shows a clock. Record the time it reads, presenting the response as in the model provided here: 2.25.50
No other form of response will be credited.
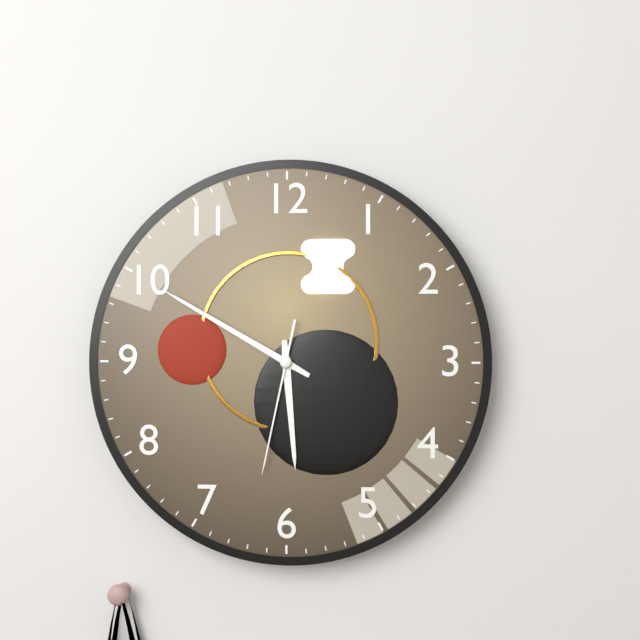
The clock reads 5.50.32
